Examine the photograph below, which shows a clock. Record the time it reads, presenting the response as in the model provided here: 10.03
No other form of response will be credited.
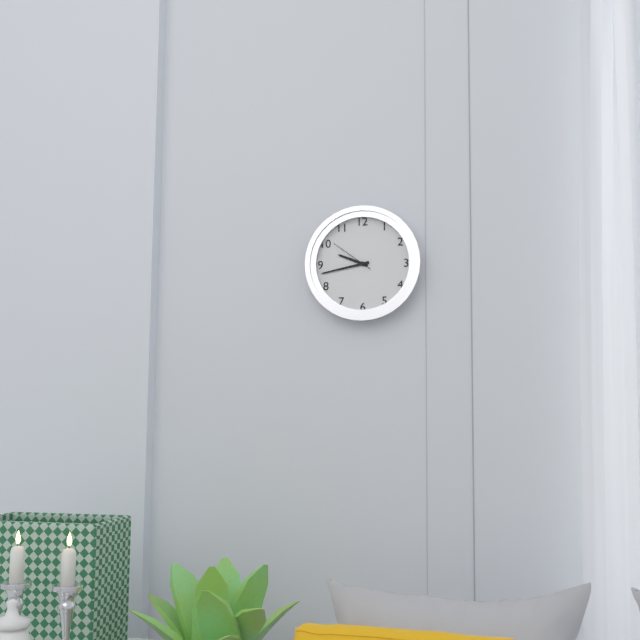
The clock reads 9.43
